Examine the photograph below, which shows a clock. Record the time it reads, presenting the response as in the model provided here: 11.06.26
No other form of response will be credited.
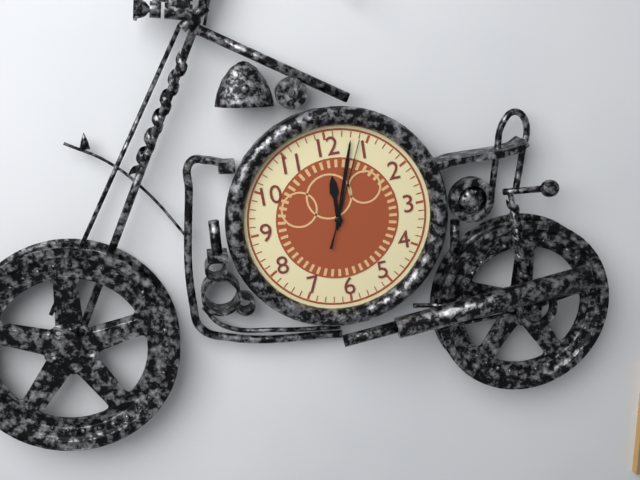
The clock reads 12.03.04
